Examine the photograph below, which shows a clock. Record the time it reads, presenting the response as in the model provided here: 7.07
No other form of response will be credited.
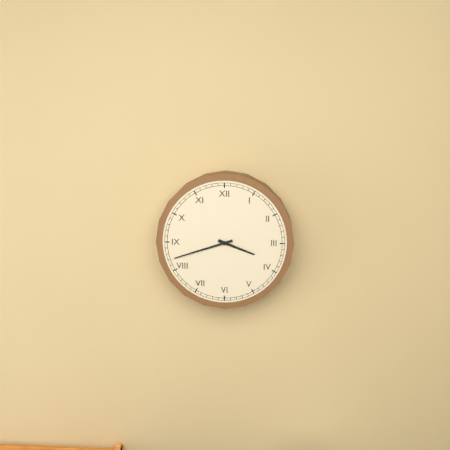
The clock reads 3.42
